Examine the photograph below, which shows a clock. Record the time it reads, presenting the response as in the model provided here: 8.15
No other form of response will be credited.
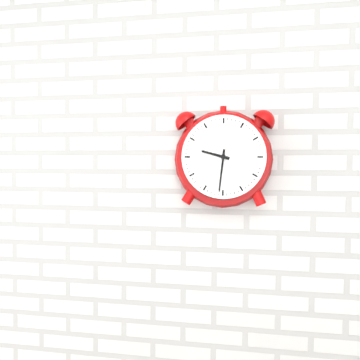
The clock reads 9.31
